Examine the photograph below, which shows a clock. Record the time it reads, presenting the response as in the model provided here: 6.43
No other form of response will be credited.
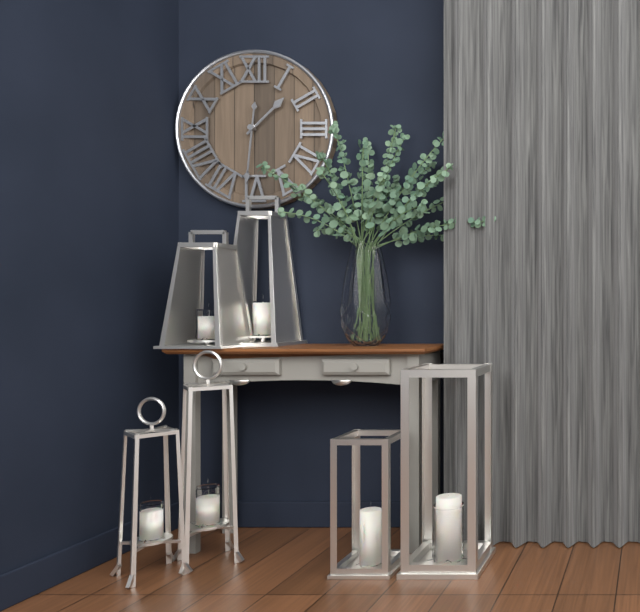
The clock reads 1.31
